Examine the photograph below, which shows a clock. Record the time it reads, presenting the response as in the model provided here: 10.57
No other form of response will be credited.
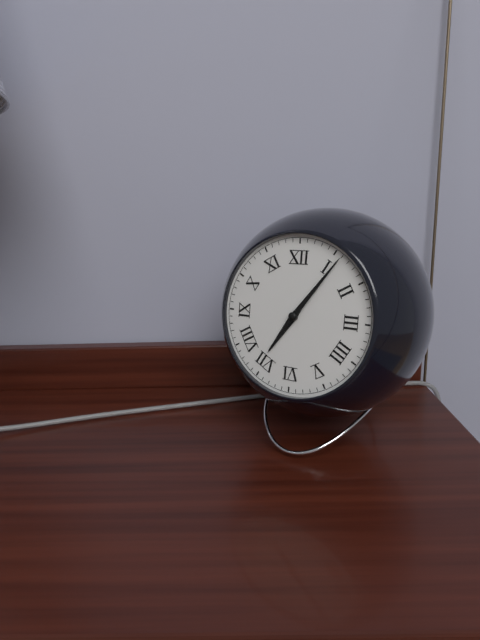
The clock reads 7.06
